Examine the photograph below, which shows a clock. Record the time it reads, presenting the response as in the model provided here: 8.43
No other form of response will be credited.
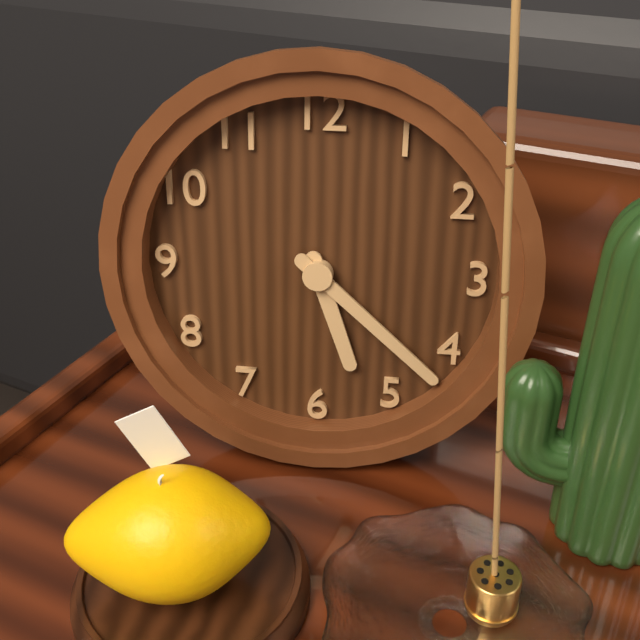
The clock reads 5.22
